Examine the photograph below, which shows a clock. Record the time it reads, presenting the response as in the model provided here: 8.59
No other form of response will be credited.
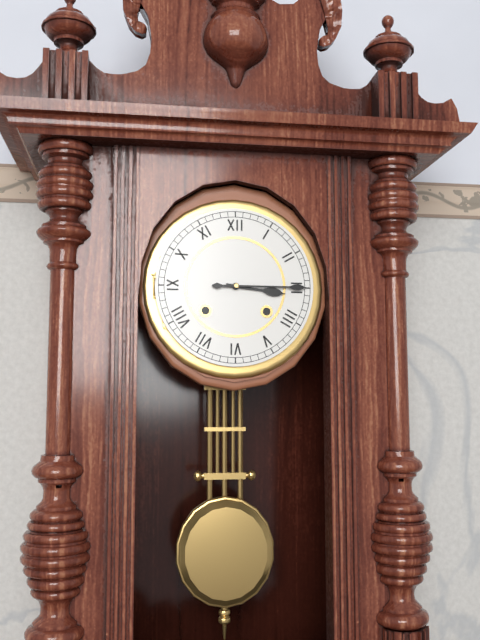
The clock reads 3.15
